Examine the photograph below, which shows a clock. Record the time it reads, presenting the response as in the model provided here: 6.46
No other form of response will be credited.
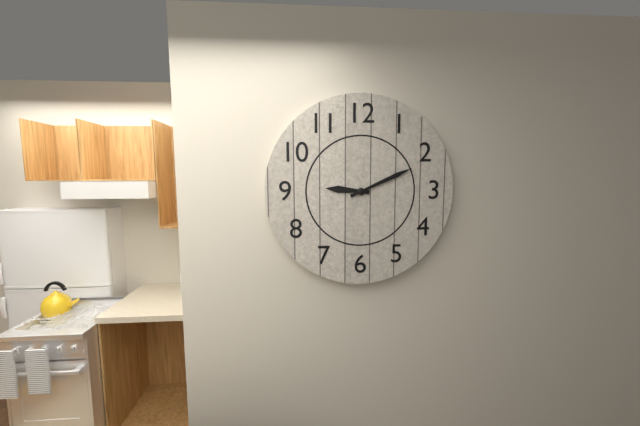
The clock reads 9.11
